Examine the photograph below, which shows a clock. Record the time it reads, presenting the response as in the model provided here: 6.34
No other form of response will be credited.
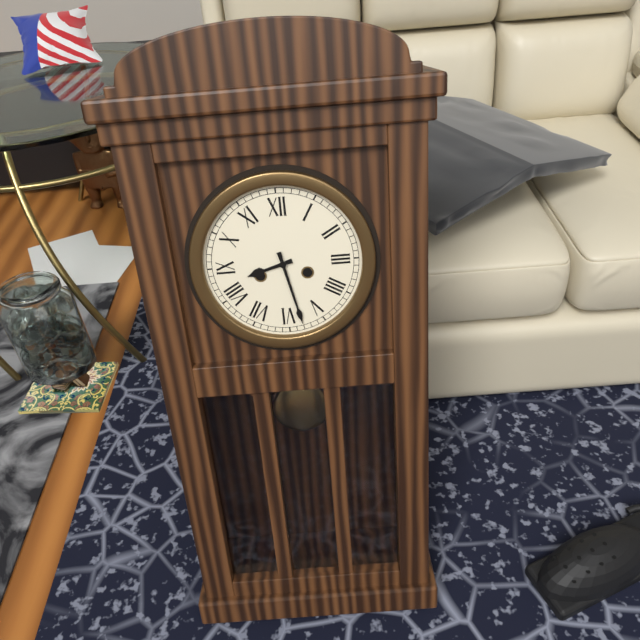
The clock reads 8.28
